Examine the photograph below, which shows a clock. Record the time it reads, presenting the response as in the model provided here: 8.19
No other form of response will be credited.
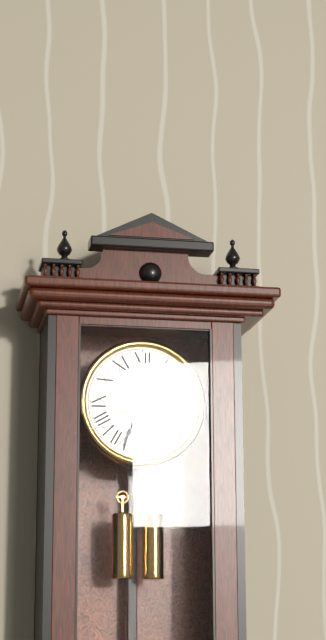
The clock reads 6.34
